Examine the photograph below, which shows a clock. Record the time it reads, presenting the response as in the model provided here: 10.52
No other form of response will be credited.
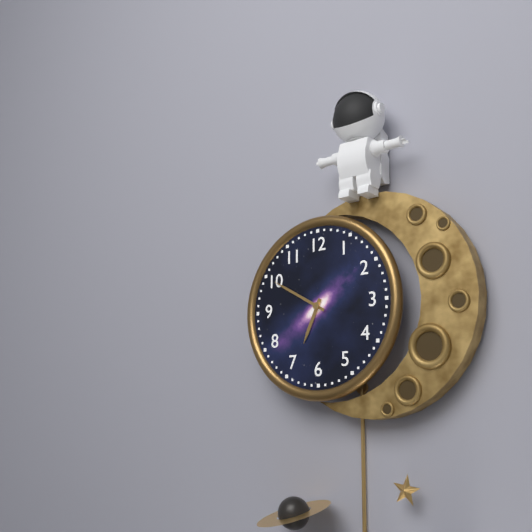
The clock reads 6.50
